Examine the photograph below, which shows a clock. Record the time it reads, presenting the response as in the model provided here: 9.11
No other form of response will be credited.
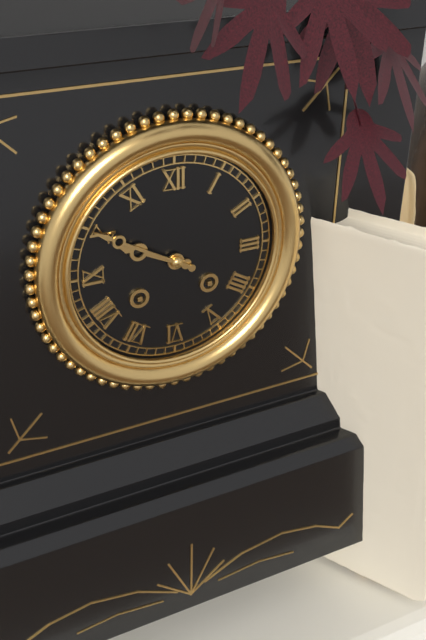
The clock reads 9.50
